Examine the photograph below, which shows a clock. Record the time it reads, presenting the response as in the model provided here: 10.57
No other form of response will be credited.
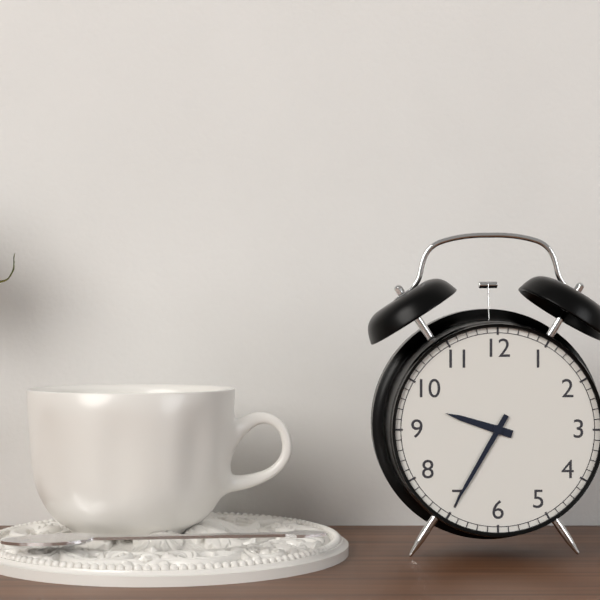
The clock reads 9.35
